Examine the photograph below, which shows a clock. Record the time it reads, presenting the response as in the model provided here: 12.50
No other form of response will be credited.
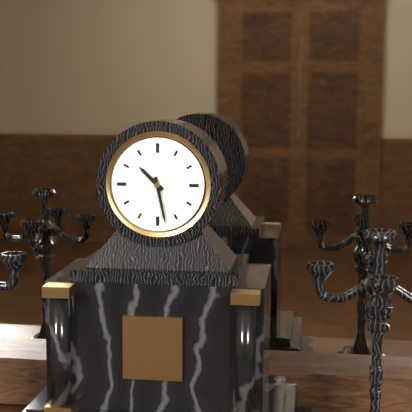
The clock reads 10.28
